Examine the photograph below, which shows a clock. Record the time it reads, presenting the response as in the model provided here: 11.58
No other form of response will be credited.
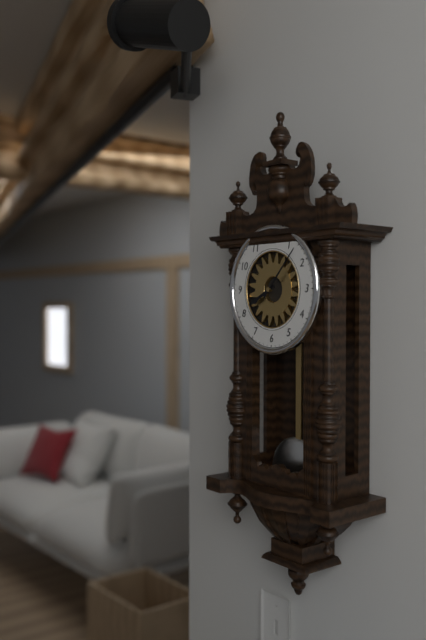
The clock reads 8.07
